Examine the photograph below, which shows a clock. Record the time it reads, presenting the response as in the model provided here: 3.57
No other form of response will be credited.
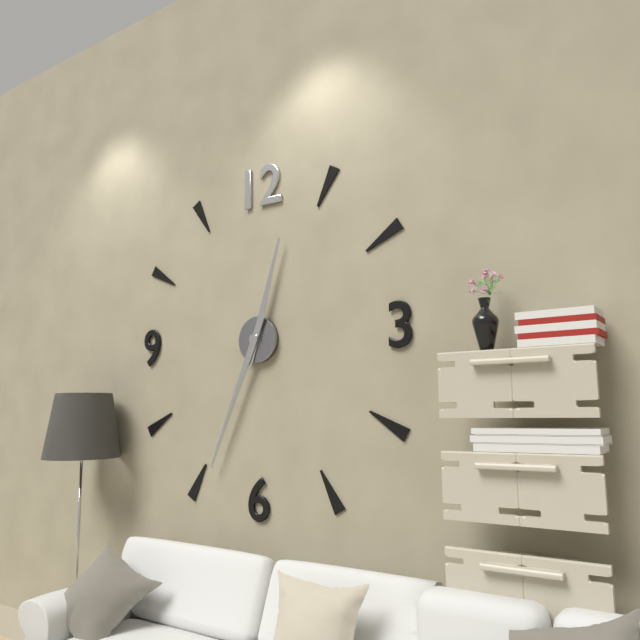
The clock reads 12.34
